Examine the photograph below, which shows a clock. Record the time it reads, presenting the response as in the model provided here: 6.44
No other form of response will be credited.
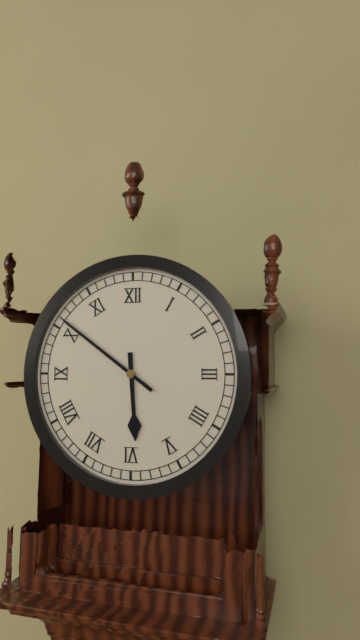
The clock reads 5.51
